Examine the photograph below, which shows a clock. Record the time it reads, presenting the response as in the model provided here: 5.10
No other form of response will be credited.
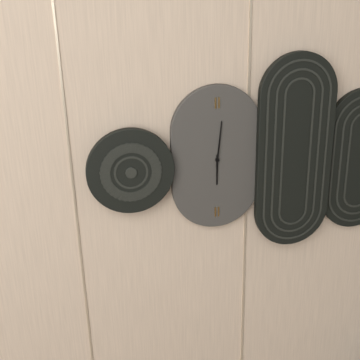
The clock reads 6.01
